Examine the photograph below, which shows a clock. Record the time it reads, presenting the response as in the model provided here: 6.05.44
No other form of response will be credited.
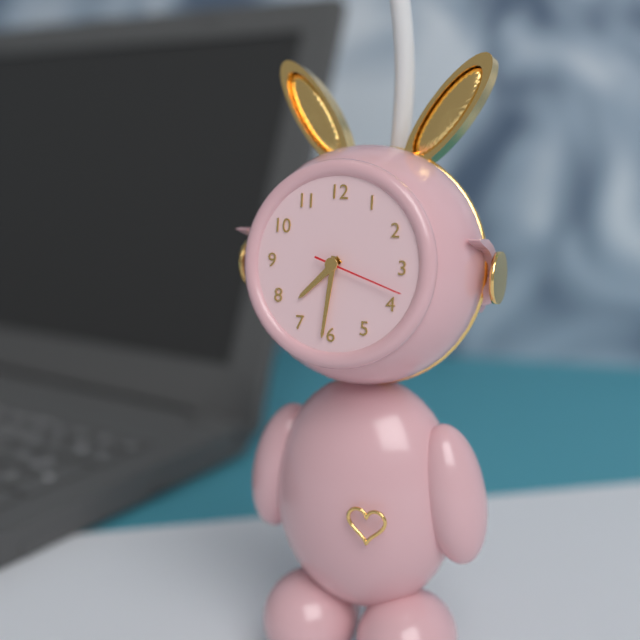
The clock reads 7.31.18
